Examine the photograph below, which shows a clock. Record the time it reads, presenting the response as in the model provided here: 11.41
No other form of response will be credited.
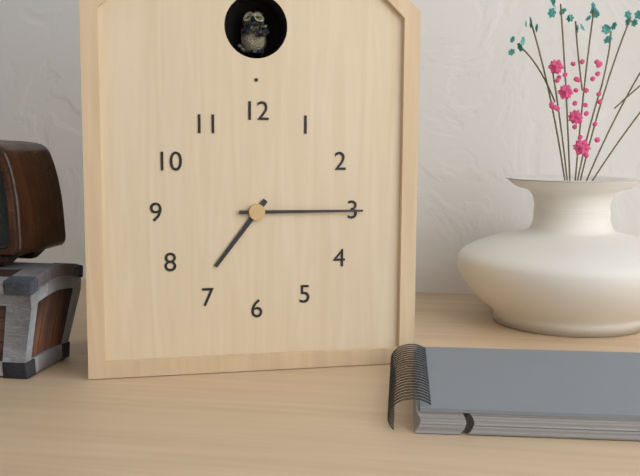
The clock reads 7.15
